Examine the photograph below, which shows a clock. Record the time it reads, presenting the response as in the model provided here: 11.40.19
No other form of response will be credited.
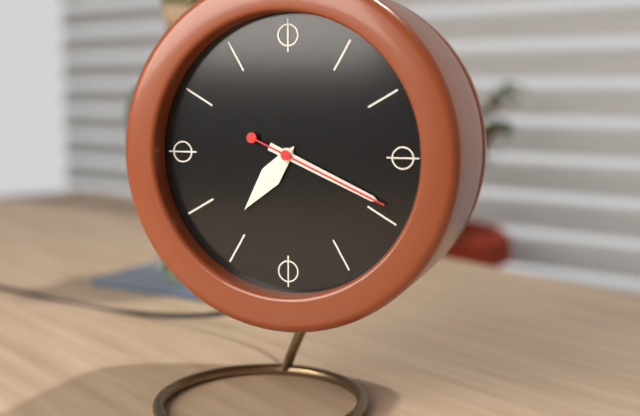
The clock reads 7.19.19
